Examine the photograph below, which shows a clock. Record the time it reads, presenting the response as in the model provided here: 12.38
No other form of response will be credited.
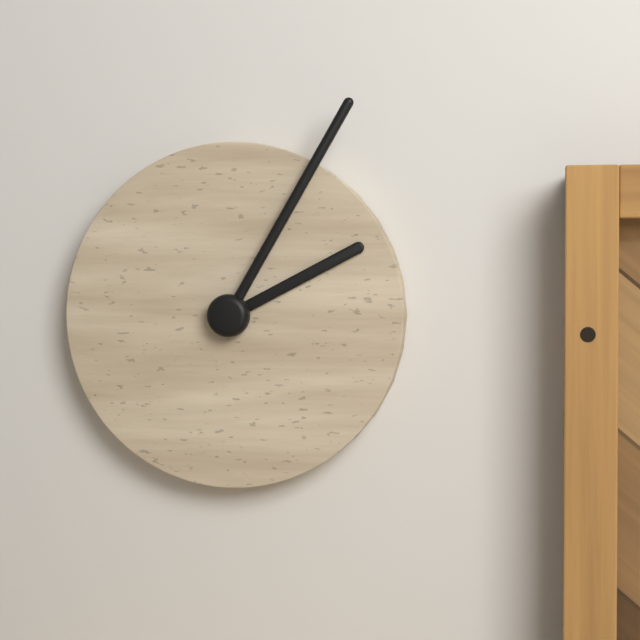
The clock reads 2.05
